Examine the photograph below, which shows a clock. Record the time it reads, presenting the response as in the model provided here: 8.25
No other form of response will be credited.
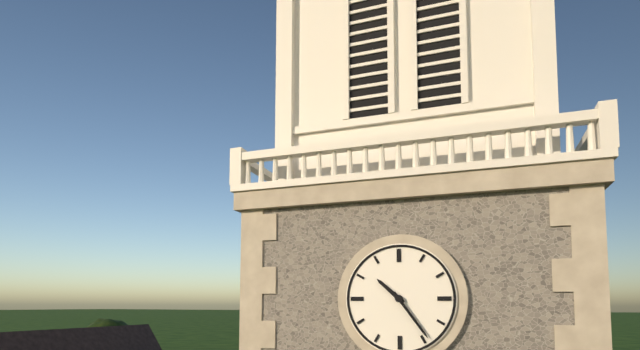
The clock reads 10.24
